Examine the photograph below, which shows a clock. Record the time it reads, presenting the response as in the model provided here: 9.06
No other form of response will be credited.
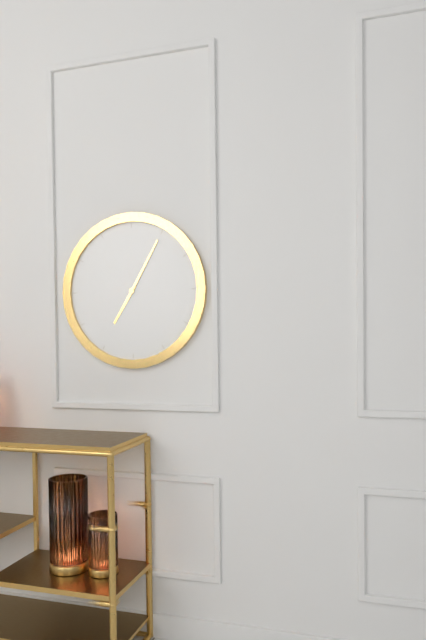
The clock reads 7.05
